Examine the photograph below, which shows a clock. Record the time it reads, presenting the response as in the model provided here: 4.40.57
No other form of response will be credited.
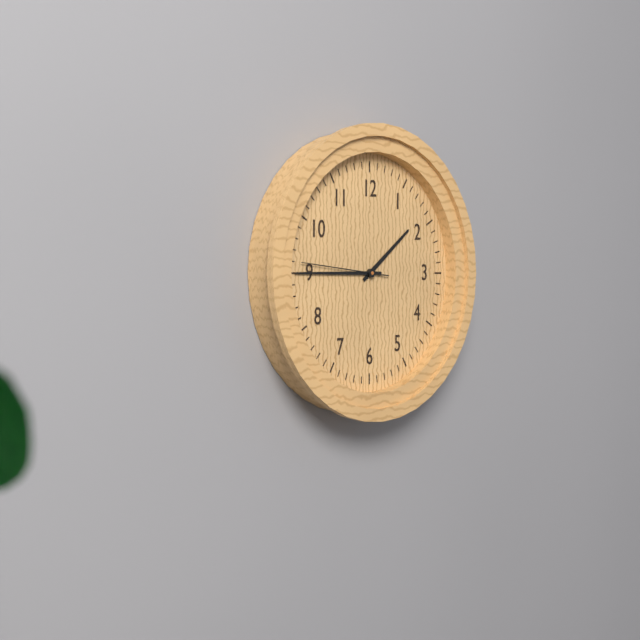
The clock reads 1.45.46
